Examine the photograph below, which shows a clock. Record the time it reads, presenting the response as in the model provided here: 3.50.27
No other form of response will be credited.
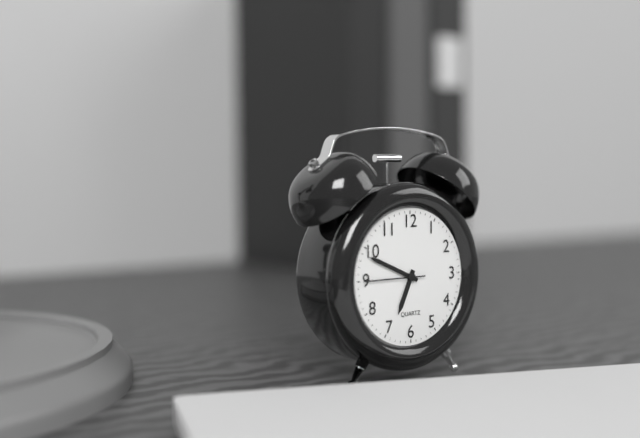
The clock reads 6.49.45
